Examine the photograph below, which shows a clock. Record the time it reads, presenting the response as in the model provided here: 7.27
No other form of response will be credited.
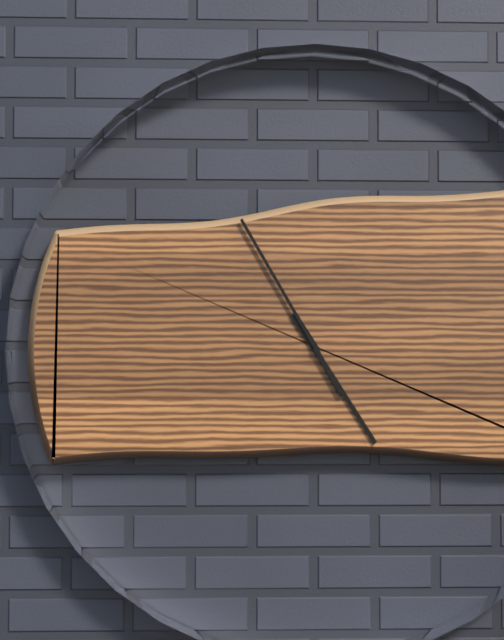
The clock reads 4.55
